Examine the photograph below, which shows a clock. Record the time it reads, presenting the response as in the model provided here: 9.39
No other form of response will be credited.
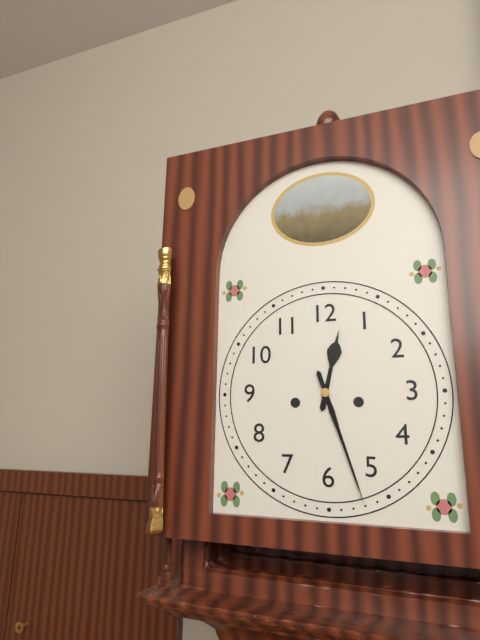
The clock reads 12.27
